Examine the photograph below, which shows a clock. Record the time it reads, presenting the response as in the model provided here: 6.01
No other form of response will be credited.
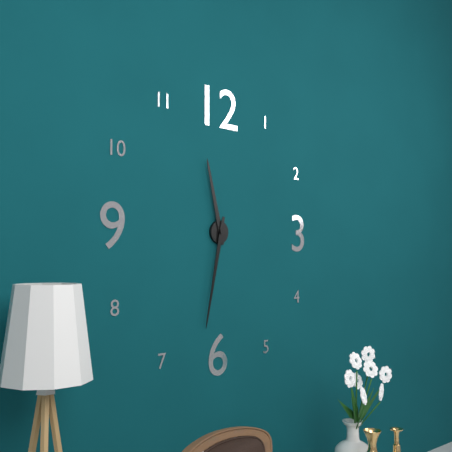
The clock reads 11.32
